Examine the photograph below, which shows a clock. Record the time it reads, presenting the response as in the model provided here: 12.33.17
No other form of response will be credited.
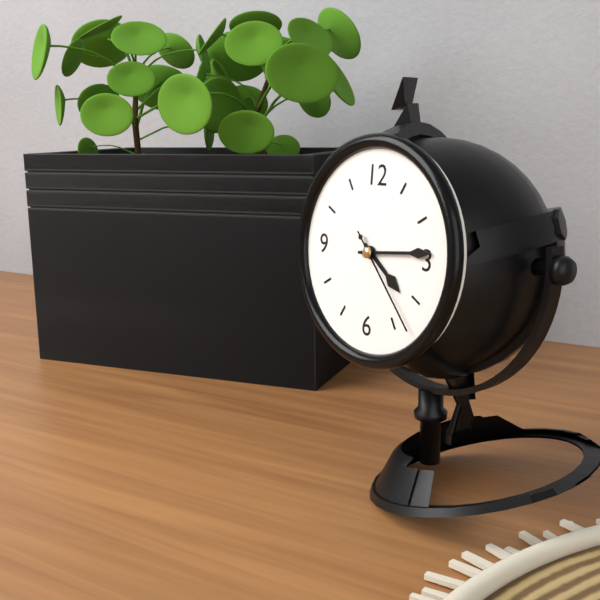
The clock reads 4.14.23
